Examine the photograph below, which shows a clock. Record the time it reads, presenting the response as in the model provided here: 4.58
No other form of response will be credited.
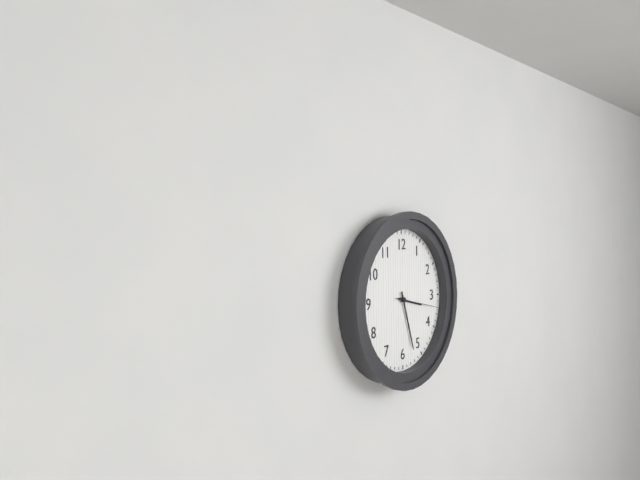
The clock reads 3.27
